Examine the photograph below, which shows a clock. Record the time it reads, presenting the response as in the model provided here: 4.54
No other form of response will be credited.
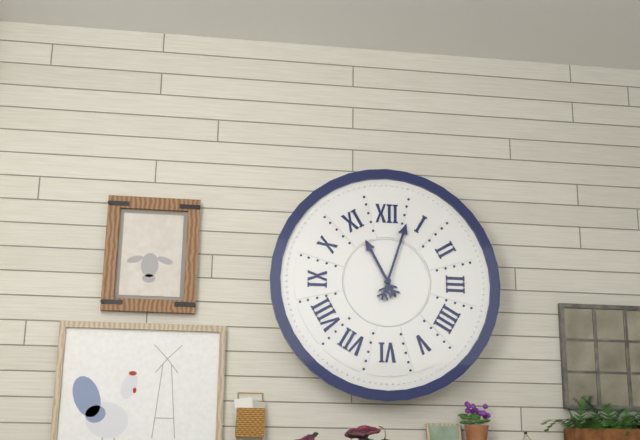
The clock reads 11.03
